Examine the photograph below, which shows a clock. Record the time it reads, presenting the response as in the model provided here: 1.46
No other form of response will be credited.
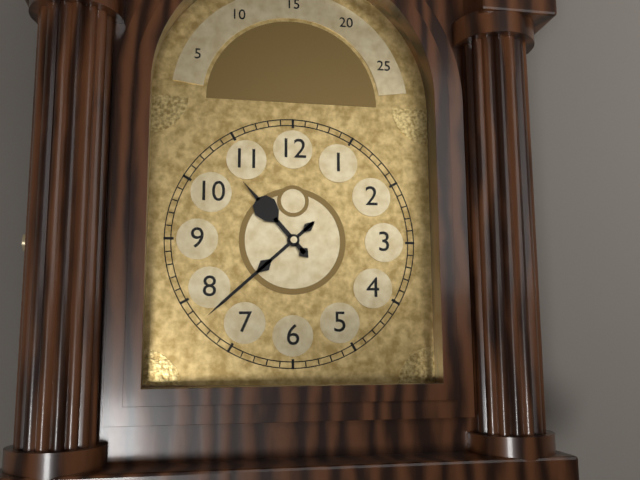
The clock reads 10.38
